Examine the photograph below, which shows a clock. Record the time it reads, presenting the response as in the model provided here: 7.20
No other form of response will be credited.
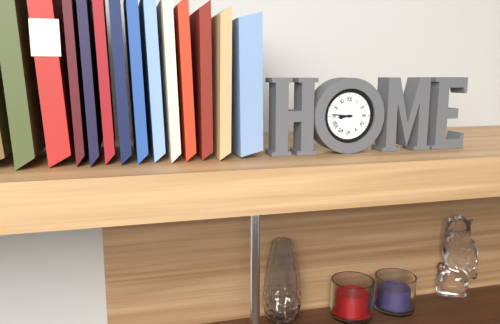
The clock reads 8.46
